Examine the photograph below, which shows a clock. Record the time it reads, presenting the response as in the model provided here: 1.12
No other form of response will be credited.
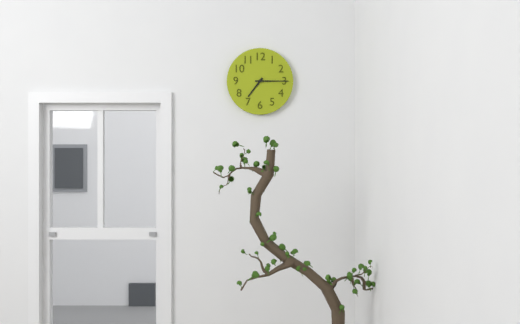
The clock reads 7.15
